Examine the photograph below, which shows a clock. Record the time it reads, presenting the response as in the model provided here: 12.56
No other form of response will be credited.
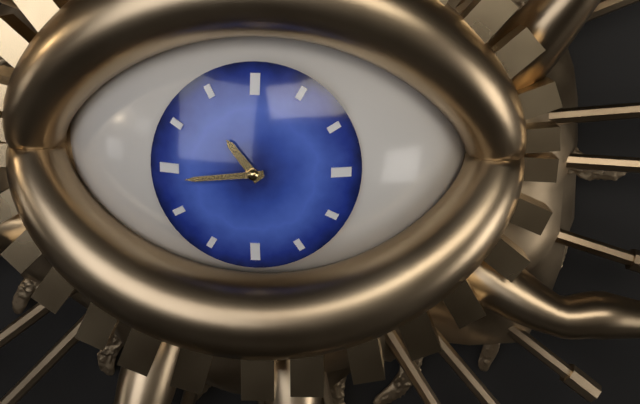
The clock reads 10.44
